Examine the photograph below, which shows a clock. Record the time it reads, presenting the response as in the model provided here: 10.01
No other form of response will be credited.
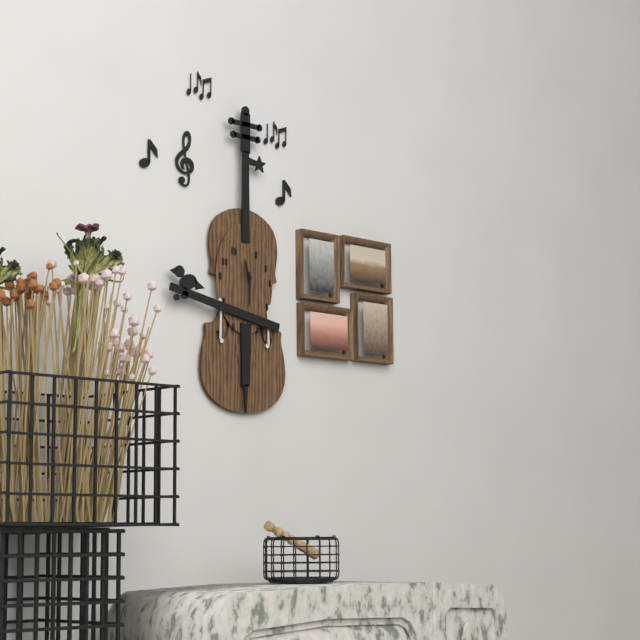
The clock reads 11.30
